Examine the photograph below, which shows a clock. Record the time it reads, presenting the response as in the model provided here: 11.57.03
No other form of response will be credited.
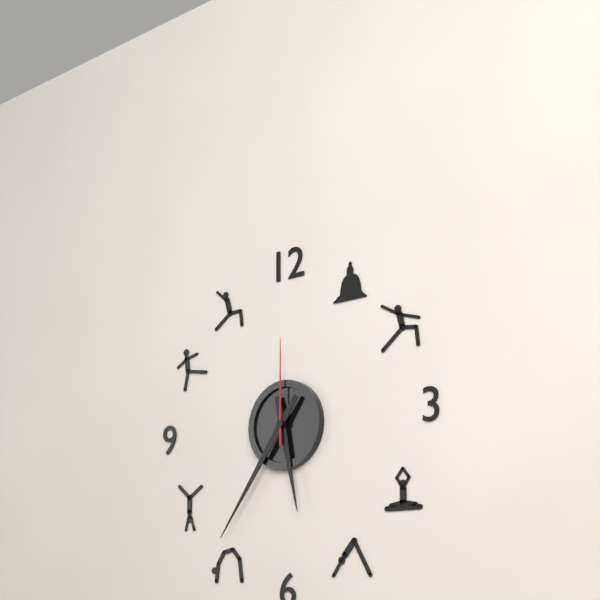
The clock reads 5.36.00
